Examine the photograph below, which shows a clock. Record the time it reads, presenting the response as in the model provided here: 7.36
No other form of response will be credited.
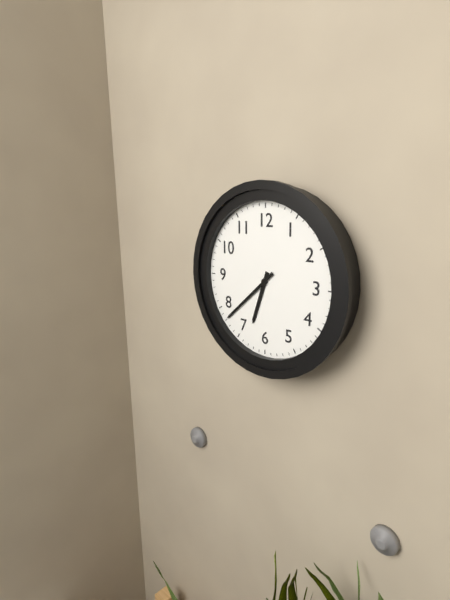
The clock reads 6.38
